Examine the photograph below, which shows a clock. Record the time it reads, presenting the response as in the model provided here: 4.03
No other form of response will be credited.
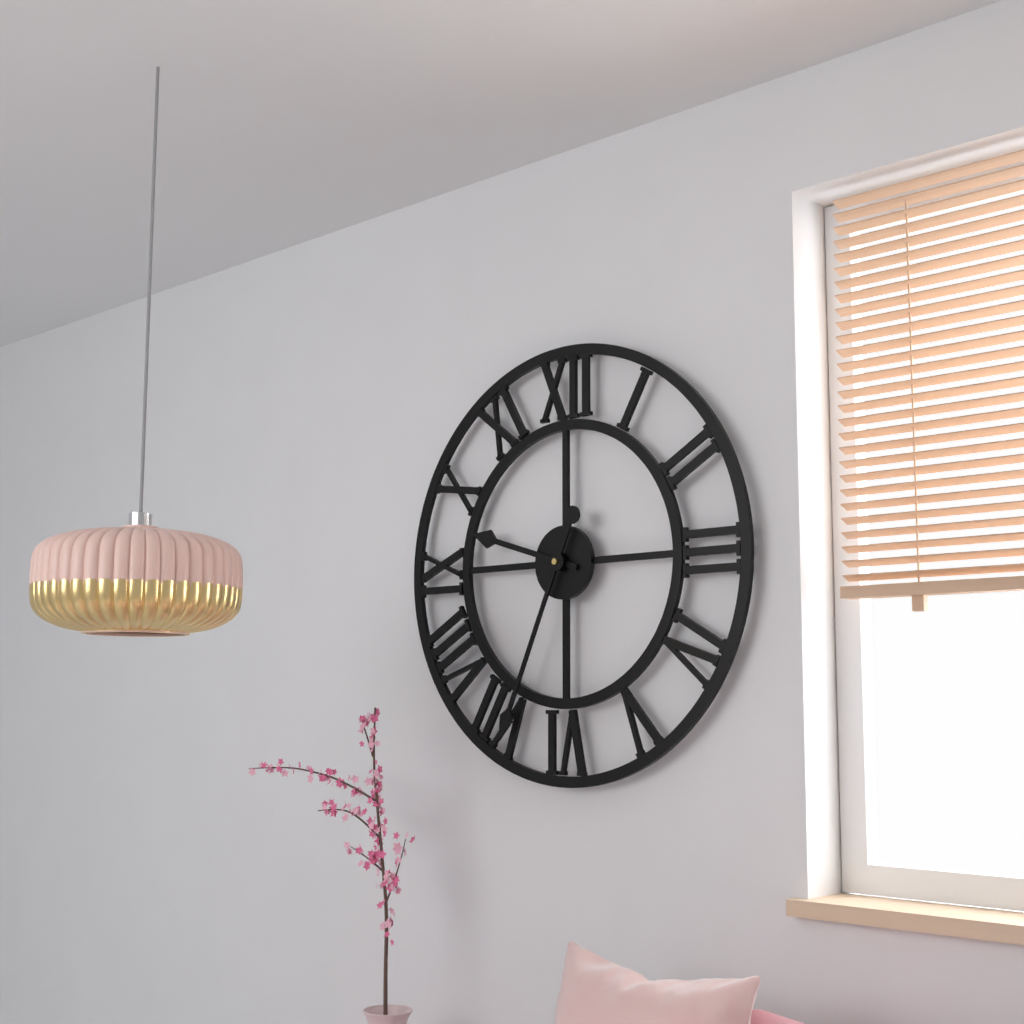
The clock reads 9.34
